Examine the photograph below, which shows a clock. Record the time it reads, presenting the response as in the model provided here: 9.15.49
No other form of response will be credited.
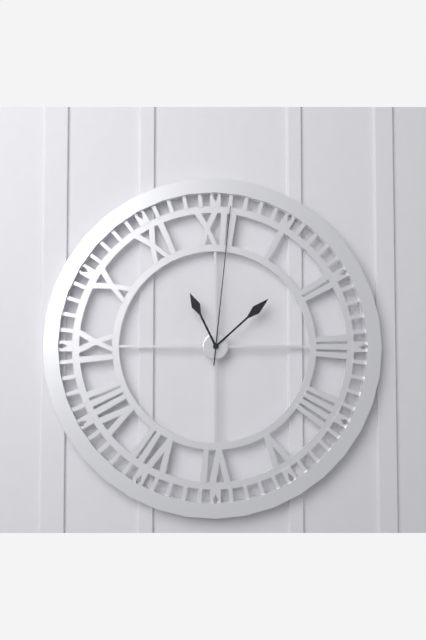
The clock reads 11.08.01
